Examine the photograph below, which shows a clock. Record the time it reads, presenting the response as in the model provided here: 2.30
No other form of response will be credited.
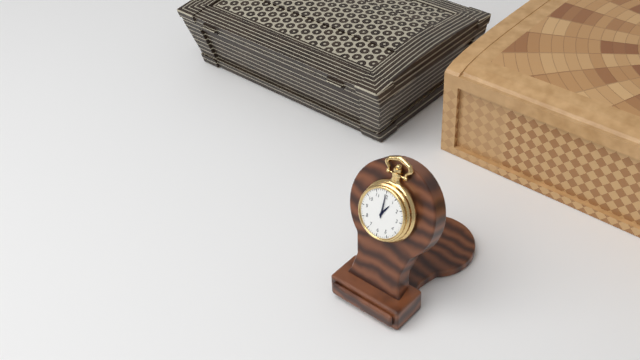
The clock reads 1.00
